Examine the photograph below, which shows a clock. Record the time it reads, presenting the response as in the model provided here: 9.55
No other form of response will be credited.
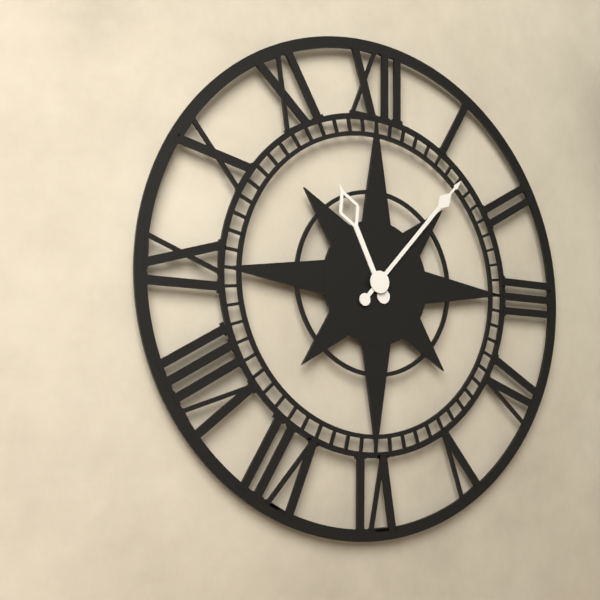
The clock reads 11.07
